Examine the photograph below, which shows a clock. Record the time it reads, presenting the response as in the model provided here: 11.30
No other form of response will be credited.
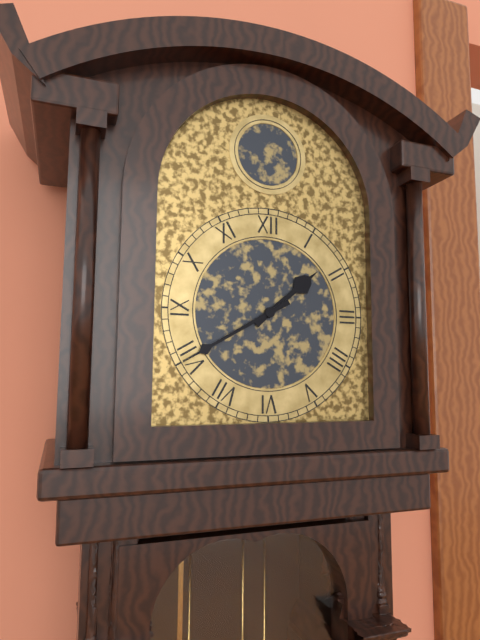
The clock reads 1.40
